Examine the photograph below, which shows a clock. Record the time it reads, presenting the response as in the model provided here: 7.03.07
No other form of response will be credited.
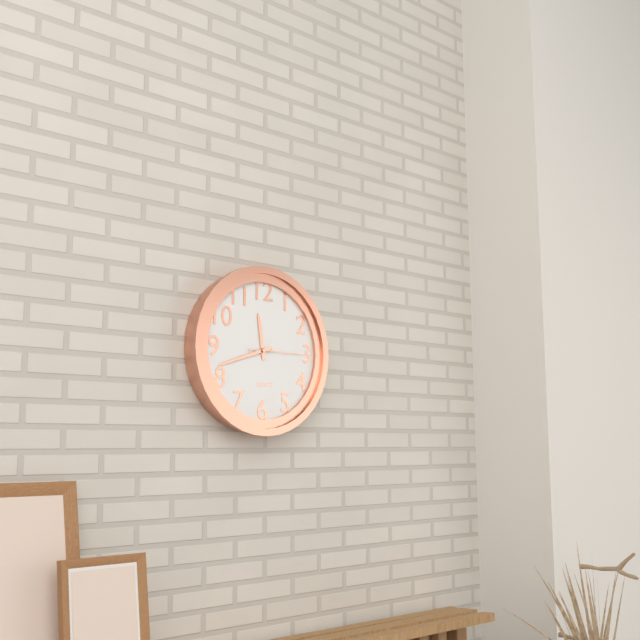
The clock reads 11.42.15
